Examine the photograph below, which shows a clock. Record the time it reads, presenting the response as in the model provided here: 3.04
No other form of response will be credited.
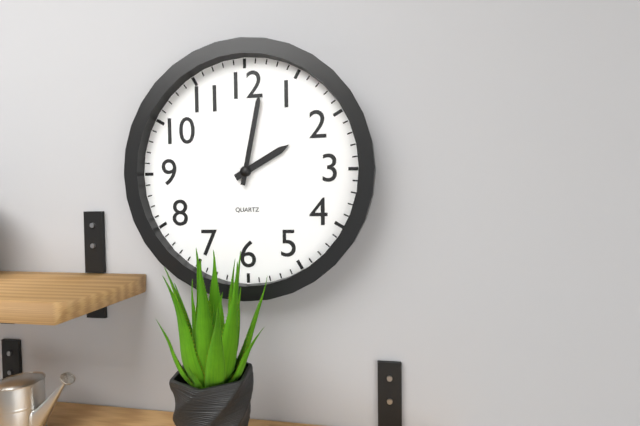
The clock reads 2.02
